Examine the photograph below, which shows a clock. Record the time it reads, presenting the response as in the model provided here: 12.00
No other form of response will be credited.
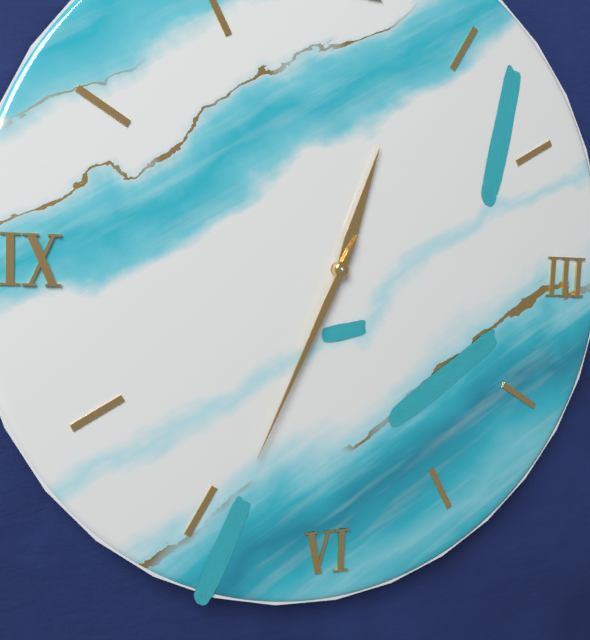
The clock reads 12.34
